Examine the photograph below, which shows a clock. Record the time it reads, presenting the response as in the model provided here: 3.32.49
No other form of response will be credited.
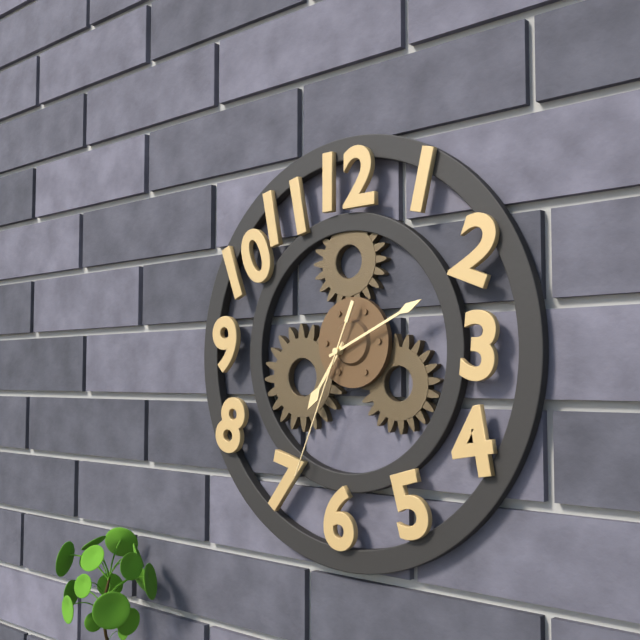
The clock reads 7.11.34
